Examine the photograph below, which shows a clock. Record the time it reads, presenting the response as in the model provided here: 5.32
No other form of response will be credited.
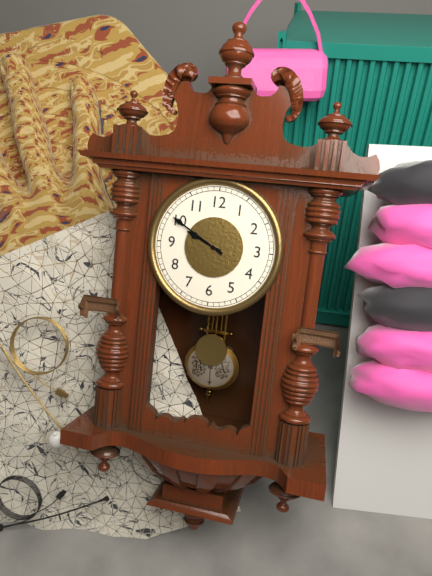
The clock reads 9.50
